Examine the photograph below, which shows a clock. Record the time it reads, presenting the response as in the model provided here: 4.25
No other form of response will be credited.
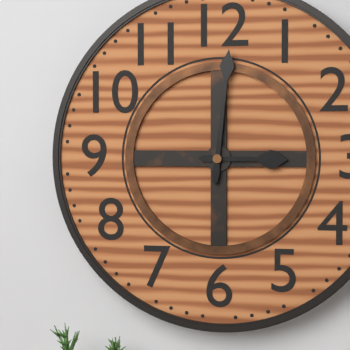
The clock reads 3.01
